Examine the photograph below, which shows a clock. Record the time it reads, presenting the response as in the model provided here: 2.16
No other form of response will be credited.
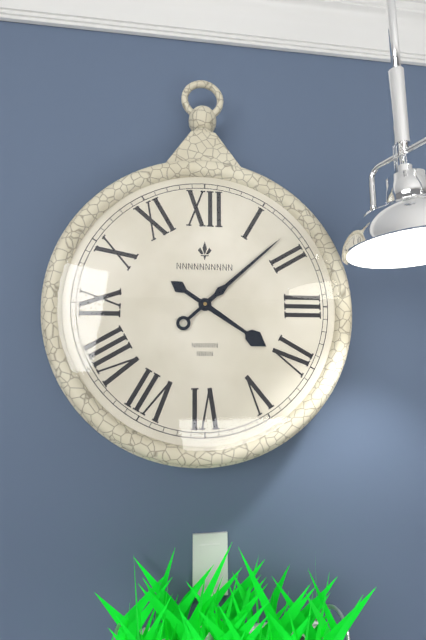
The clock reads 4.08
